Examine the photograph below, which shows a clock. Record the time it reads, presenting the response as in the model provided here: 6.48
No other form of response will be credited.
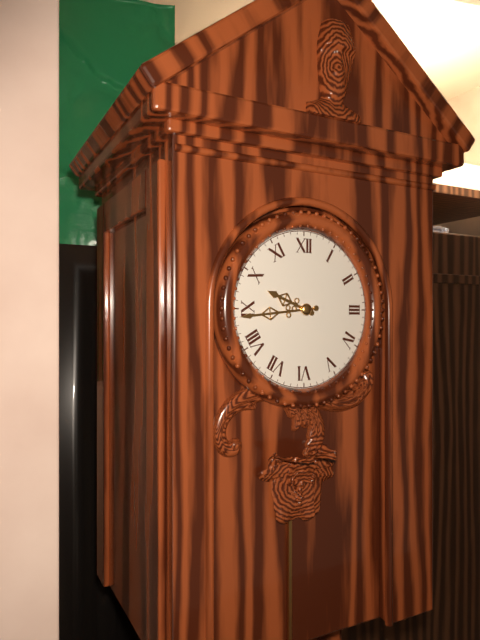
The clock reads 9.44
